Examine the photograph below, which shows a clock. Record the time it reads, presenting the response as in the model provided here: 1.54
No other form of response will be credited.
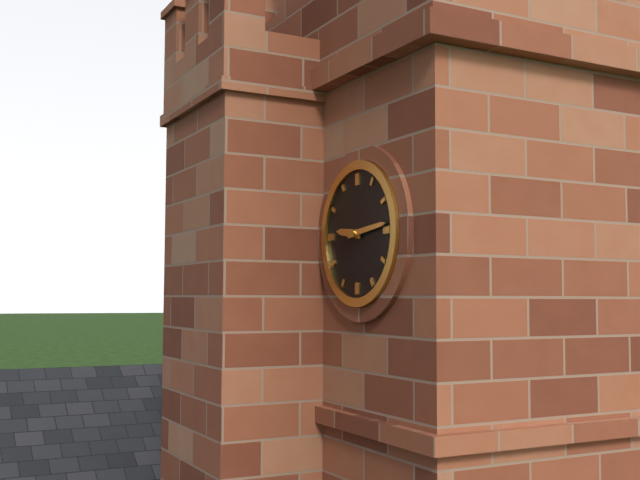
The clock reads 9.14
